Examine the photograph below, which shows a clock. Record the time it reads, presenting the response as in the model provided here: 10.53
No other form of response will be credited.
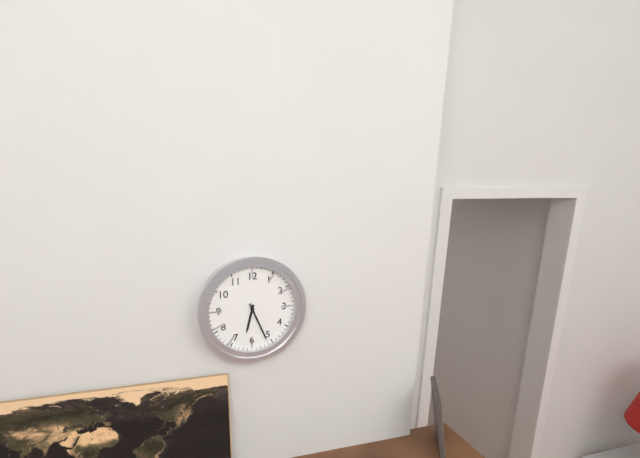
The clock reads 6.26
